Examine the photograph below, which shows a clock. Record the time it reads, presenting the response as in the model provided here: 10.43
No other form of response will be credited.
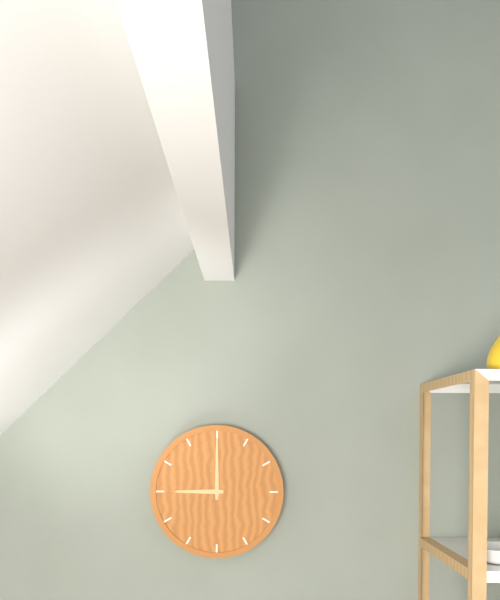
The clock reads 9.00
